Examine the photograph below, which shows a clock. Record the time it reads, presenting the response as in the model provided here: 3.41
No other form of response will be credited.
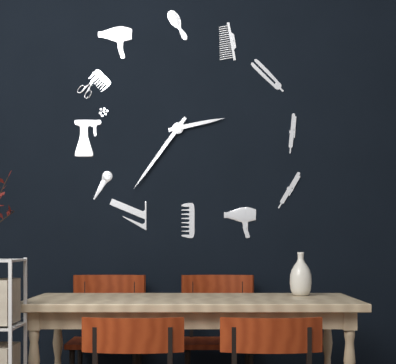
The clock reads 2.36
